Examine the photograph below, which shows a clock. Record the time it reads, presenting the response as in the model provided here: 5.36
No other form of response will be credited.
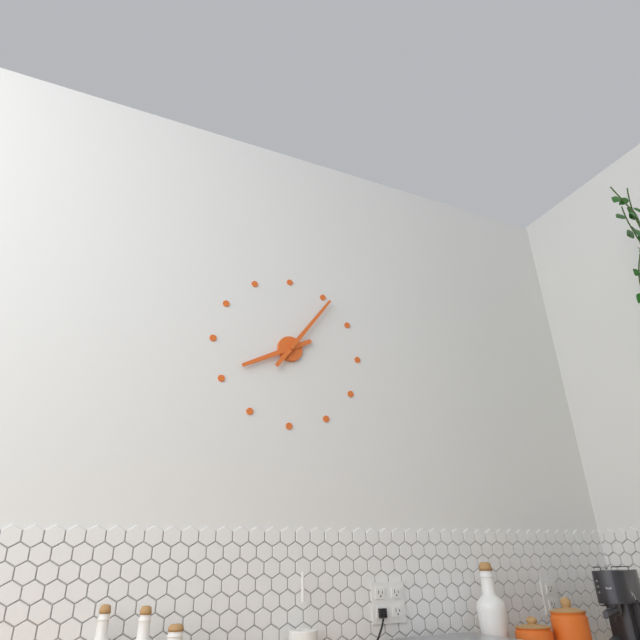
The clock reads 8.06
